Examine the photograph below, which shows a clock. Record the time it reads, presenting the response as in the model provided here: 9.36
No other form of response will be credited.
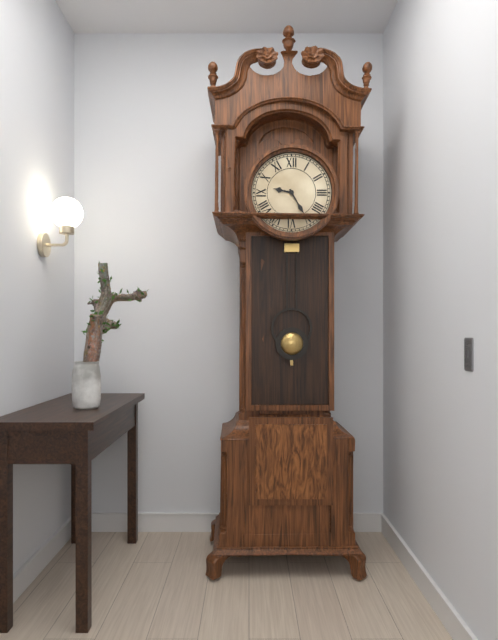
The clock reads 9.25
